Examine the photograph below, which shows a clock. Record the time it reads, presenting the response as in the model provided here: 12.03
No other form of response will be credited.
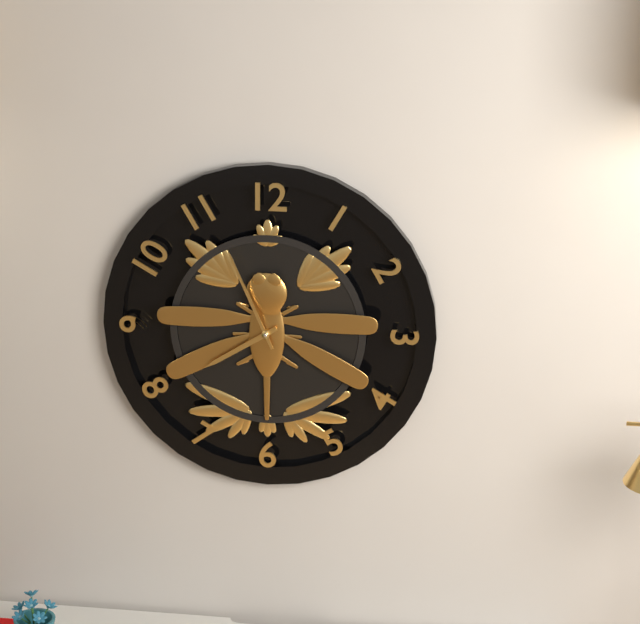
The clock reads 7.56
